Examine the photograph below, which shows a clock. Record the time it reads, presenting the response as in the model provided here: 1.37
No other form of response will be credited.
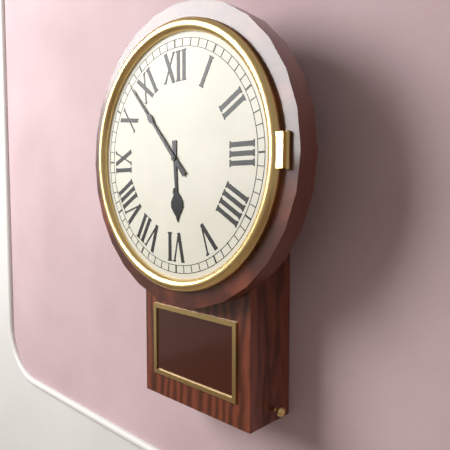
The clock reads 5.53
